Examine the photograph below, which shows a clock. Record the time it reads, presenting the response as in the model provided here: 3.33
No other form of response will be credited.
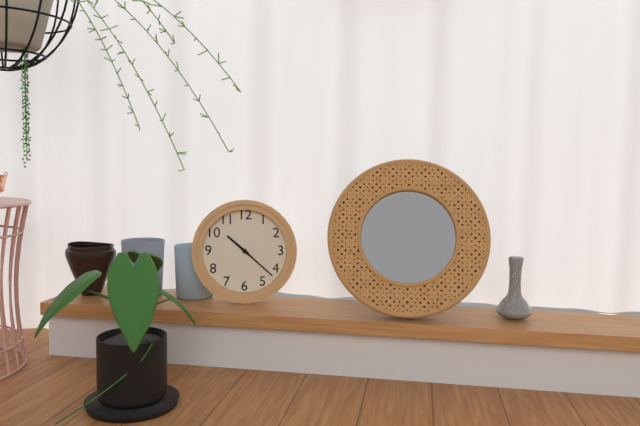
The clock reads 10.22
